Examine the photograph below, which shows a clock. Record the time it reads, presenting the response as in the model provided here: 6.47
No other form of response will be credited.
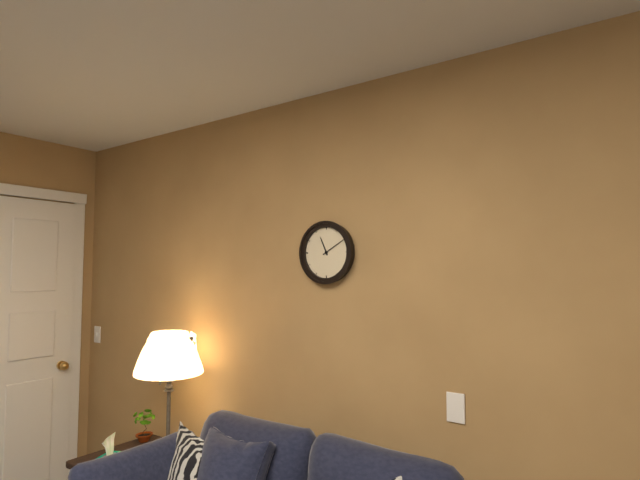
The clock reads 11.10
